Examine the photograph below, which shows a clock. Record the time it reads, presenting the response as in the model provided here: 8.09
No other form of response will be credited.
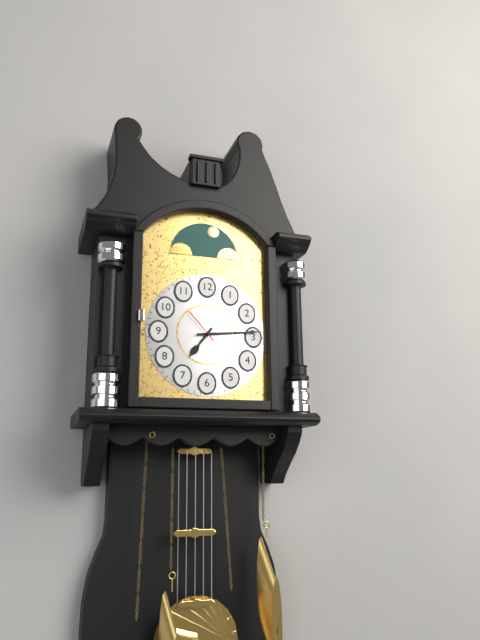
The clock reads 7.14
